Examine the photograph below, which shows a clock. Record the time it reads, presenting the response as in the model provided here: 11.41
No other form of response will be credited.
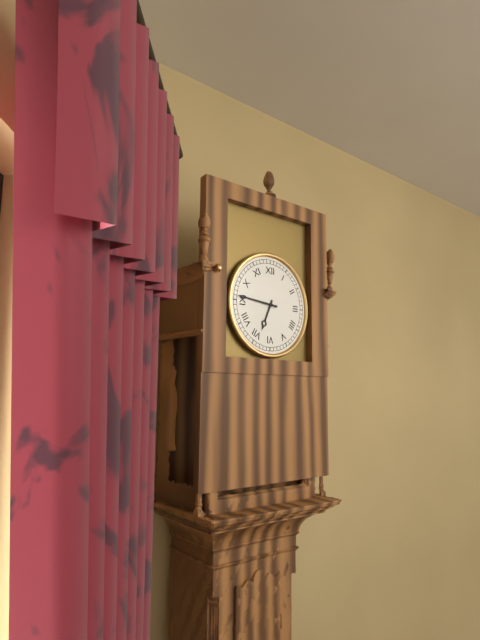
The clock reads 6.46
